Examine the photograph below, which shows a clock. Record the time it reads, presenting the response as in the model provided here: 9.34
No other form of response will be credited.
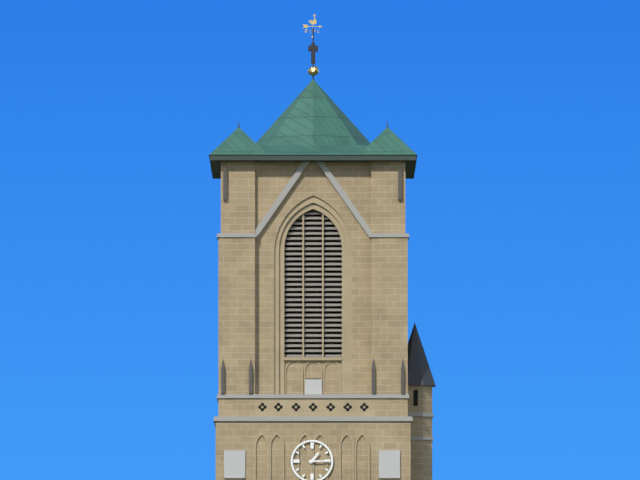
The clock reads 1.15
